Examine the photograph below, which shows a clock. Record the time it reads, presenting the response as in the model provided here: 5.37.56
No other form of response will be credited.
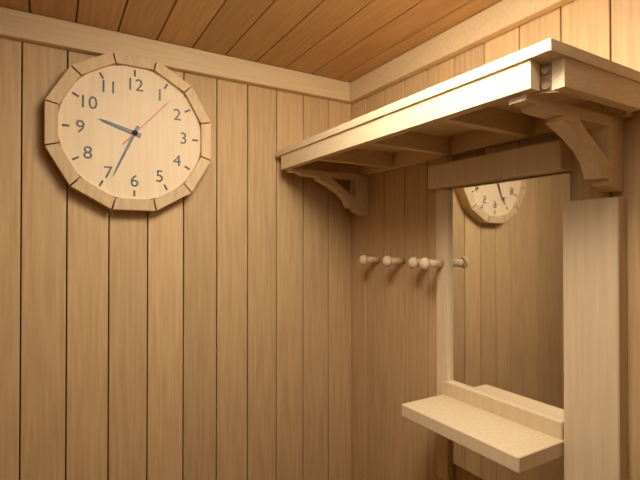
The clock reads 9.34.07
